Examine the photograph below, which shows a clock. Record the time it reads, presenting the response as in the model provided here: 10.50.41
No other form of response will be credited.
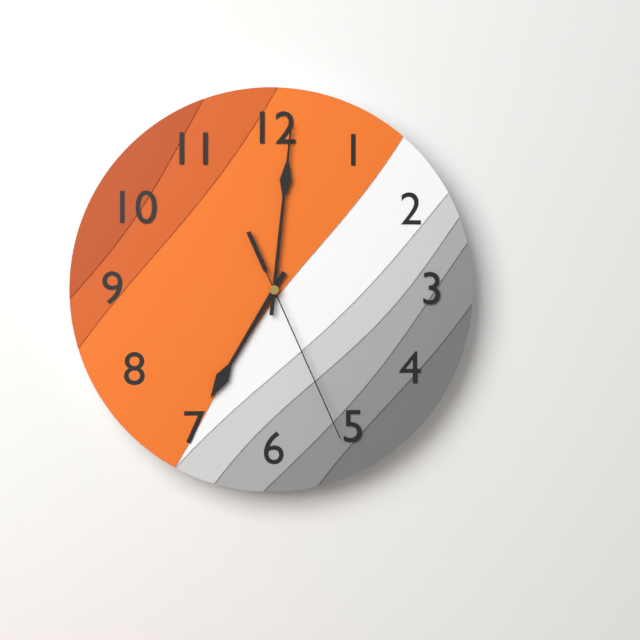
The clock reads 7.01.26
